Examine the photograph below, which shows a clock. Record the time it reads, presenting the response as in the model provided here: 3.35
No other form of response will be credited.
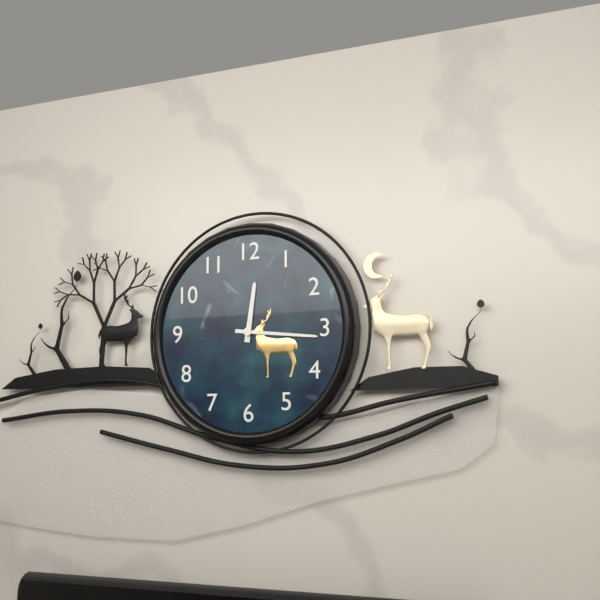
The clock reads 12.16
